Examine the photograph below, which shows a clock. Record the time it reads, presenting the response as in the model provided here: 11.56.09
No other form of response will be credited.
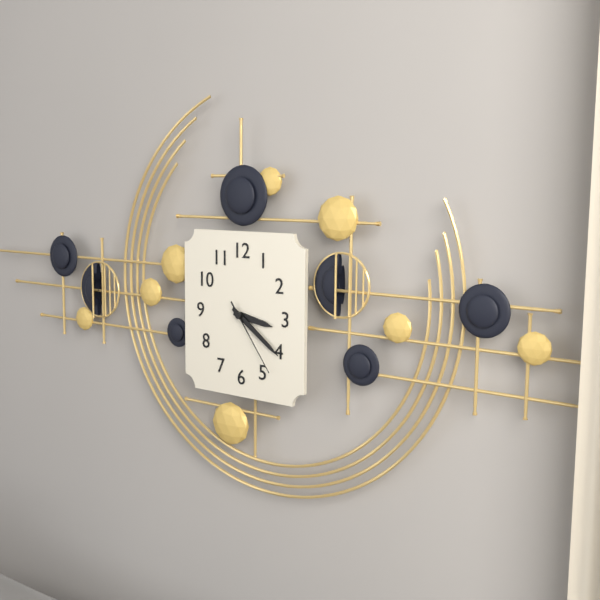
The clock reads 3.21.24
